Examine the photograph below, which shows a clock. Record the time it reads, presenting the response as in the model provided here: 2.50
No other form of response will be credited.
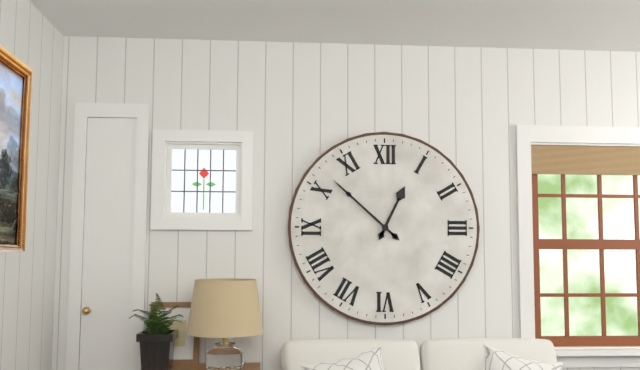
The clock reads 12.52
